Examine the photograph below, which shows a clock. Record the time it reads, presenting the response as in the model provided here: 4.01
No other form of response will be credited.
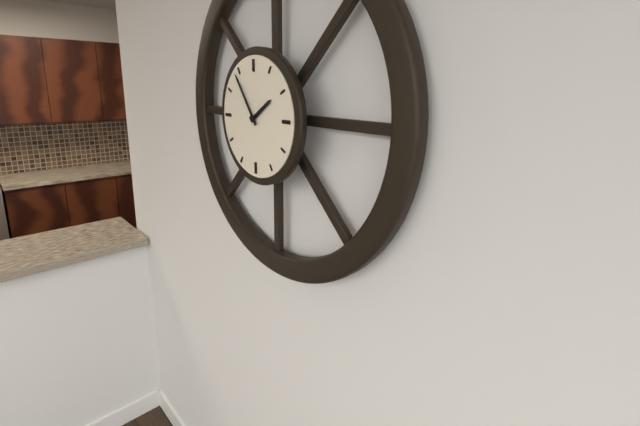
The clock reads 1.54
